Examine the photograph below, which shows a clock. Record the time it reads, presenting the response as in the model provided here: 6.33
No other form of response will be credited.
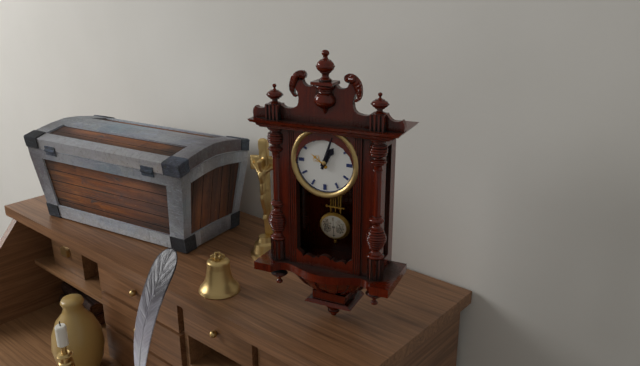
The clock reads 1.03
